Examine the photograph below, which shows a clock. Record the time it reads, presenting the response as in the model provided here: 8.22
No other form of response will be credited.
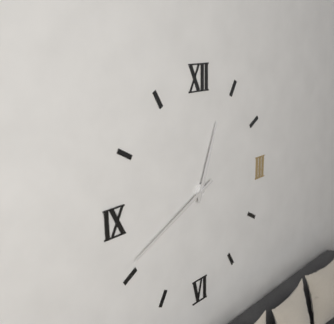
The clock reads 12.41
